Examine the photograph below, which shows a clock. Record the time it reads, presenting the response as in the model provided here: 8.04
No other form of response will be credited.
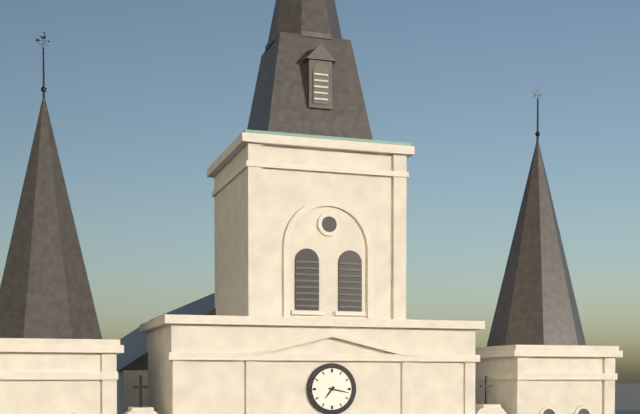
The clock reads 7.17
